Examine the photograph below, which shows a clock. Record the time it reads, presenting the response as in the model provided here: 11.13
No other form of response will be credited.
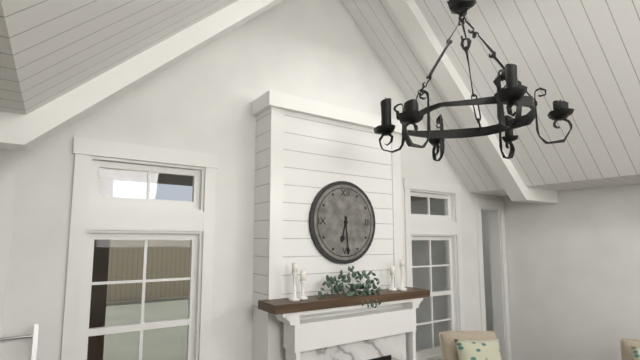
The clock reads 6.29
